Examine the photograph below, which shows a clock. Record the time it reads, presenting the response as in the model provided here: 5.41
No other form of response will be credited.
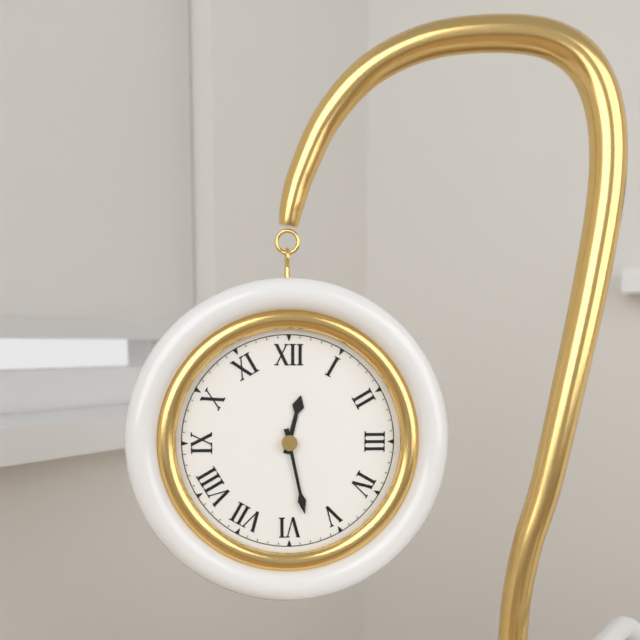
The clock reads 12.28
